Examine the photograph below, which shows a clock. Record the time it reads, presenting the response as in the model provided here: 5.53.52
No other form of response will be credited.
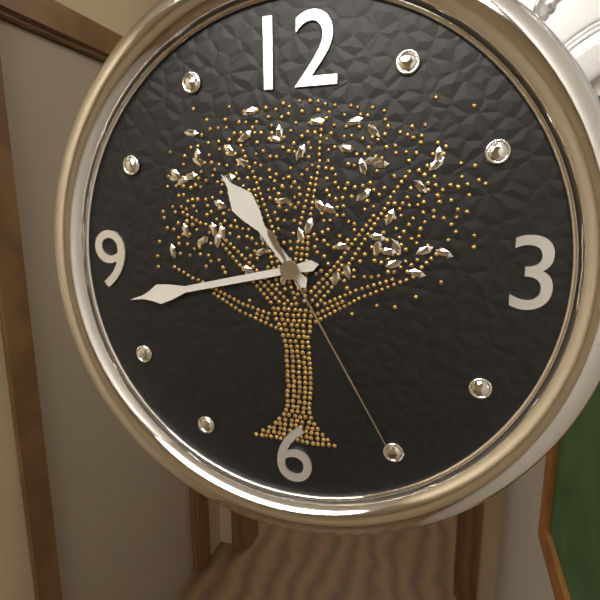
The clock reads 10.43.25
